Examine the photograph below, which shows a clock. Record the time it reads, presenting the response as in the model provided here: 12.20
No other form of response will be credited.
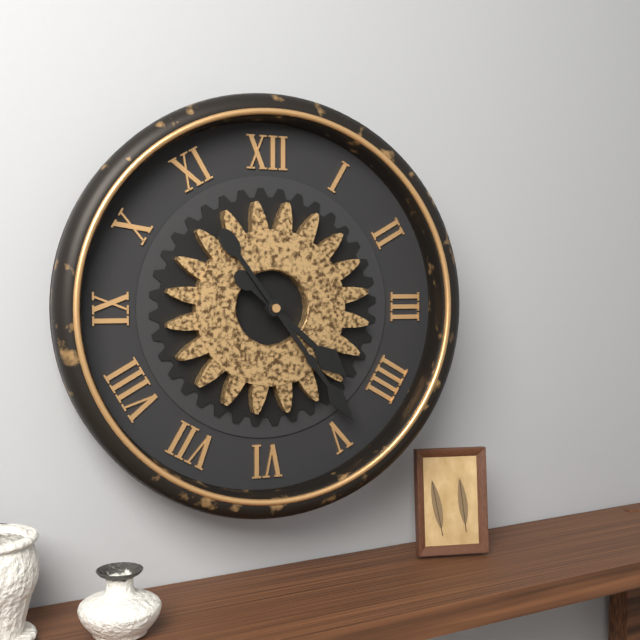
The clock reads 4.24
